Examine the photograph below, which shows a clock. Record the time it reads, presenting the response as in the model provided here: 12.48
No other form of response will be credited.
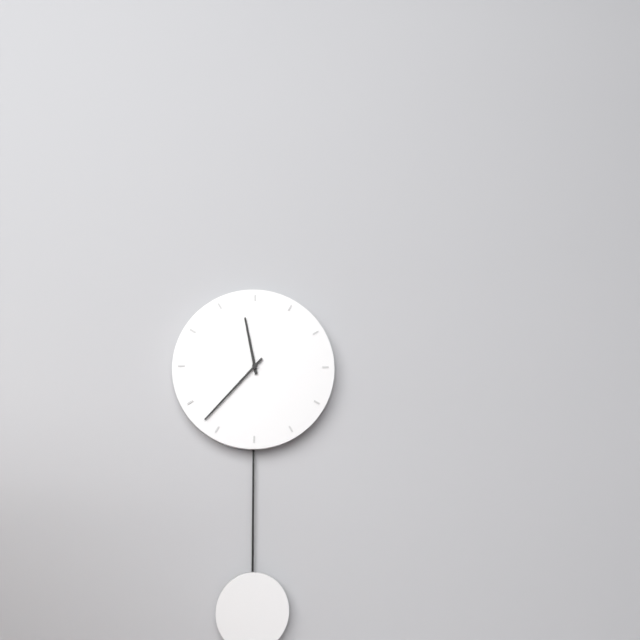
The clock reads 11.37
